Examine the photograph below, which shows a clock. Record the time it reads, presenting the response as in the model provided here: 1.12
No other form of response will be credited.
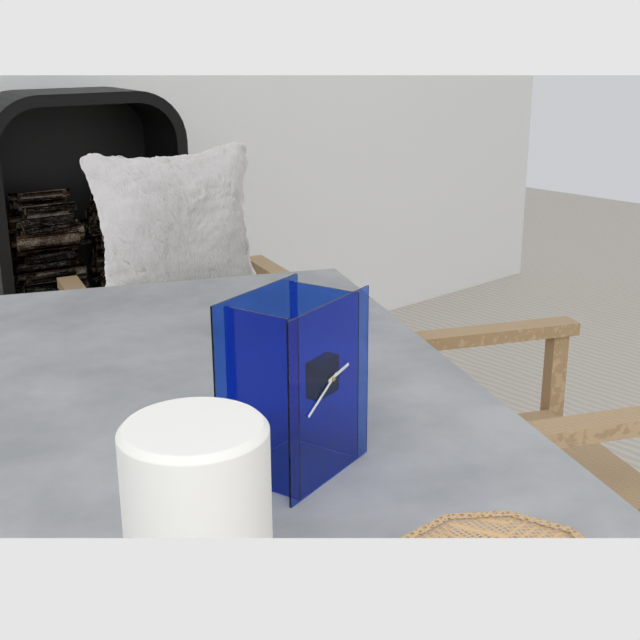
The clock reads 2.40
